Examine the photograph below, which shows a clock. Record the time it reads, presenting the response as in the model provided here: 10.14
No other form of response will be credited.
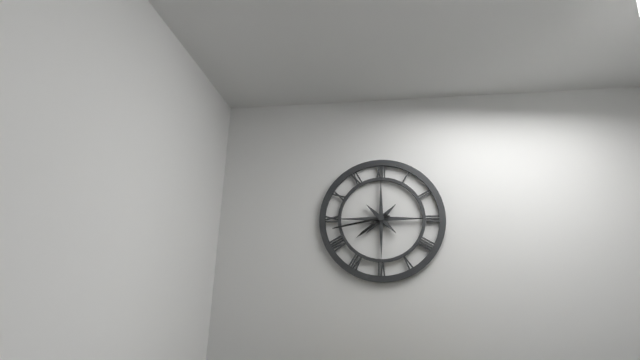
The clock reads 7.43
